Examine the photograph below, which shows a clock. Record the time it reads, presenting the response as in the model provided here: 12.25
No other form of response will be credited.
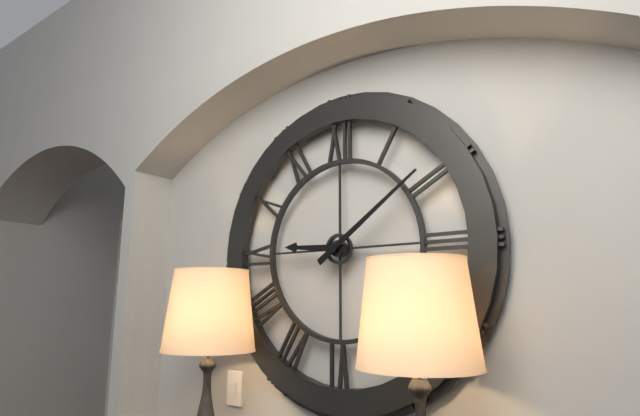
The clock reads 9.09
